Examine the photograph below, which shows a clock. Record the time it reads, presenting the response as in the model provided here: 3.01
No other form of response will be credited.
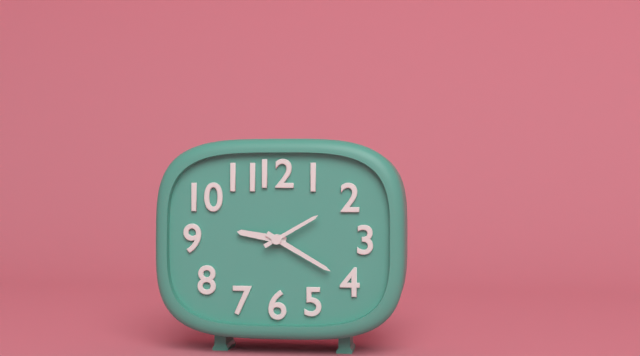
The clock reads 9.20
